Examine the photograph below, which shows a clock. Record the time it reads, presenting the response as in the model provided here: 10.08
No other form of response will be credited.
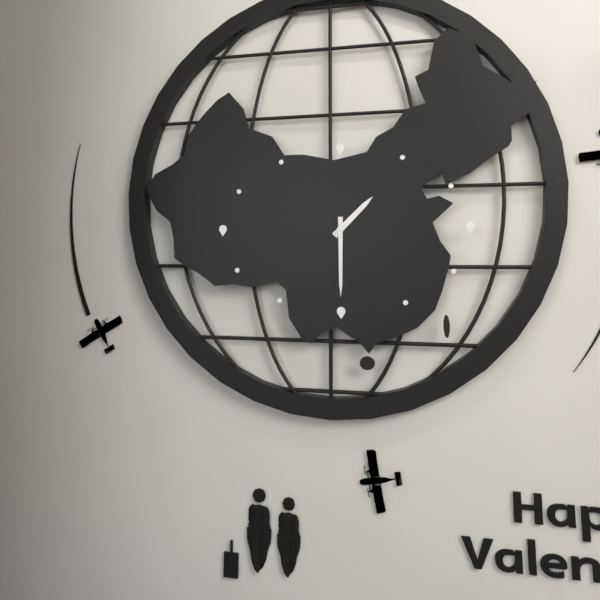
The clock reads 1.30
